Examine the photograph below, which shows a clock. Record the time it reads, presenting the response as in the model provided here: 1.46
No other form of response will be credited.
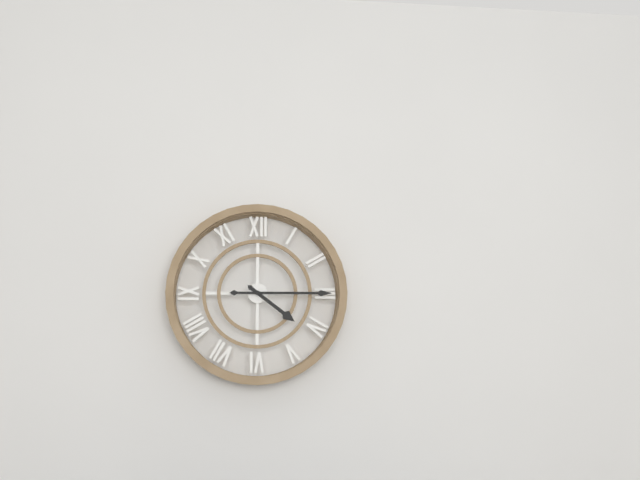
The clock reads 4.15
